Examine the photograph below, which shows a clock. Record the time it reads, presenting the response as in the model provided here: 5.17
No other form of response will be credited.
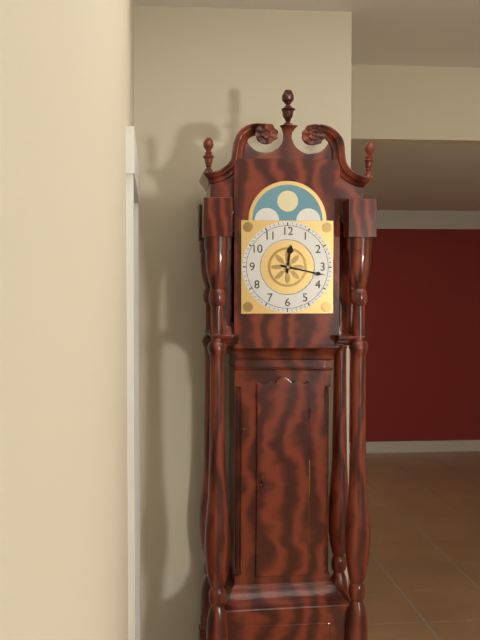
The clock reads 12.17
